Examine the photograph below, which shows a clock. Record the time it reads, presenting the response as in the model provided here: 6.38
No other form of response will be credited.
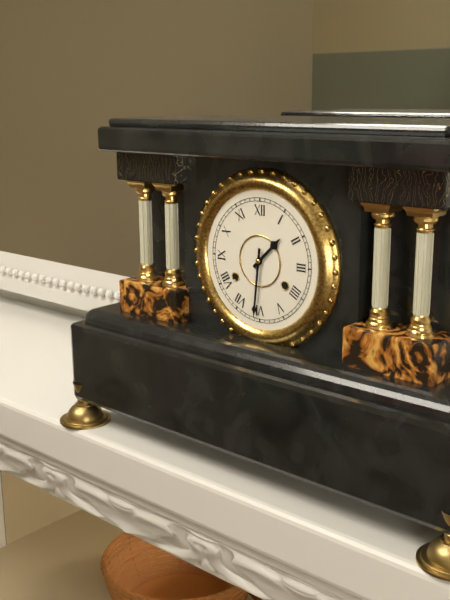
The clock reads 1.31
